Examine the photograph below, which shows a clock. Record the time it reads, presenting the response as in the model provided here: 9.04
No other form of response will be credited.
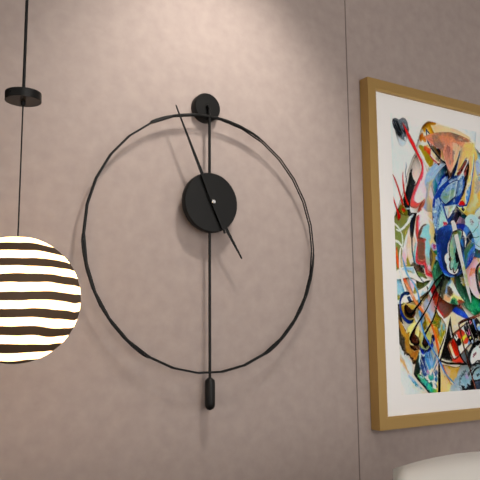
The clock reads 4.56
